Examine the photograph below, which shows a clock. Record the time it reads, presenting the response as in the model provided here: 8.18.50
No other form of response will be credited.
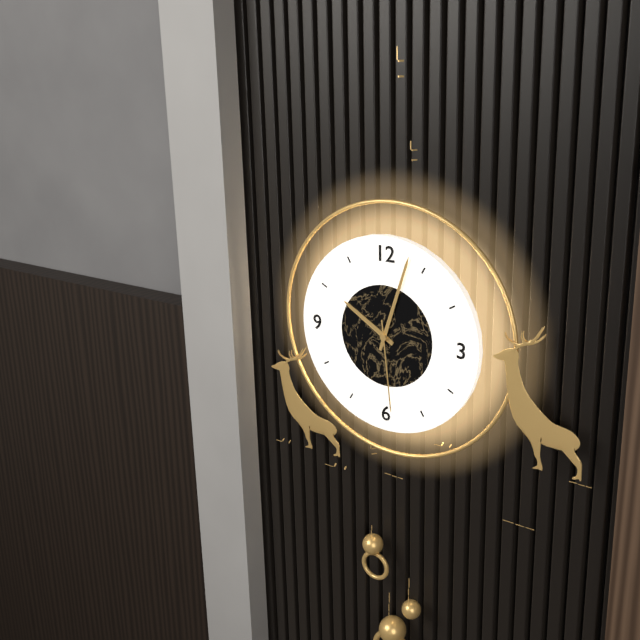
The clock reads 10.03.29
